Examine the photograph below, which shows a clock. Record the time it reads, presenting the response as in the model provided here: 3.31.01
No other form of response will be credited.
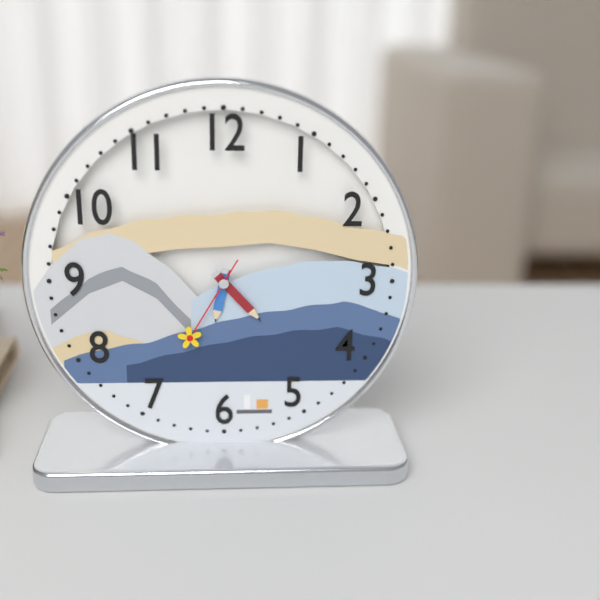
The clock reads 6.23.35
